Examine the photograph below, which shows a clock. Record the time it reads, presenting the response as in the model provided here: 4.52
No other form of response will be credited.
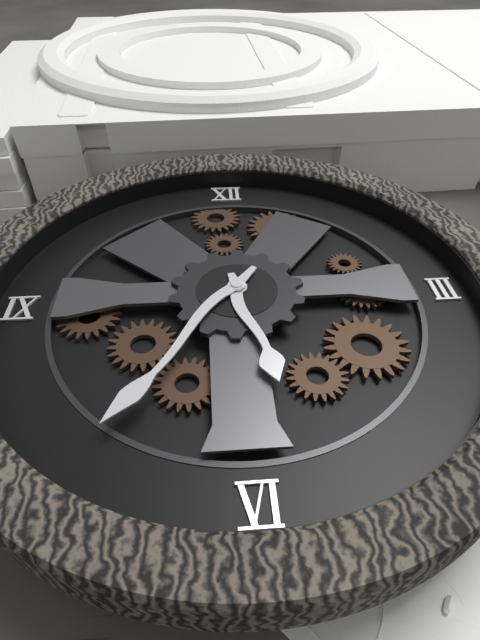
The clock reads 5.36
